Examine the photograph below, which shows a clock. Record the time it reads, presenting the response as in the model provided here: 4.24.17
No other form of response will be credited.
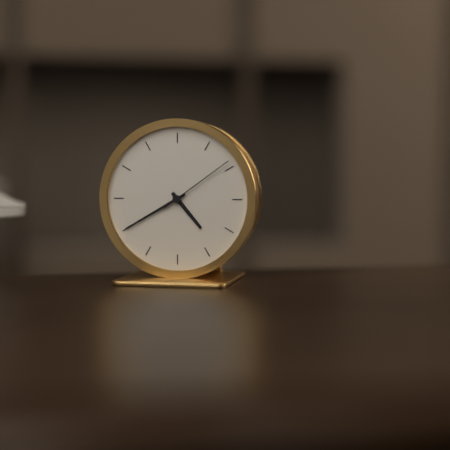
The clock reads 4.40.09
